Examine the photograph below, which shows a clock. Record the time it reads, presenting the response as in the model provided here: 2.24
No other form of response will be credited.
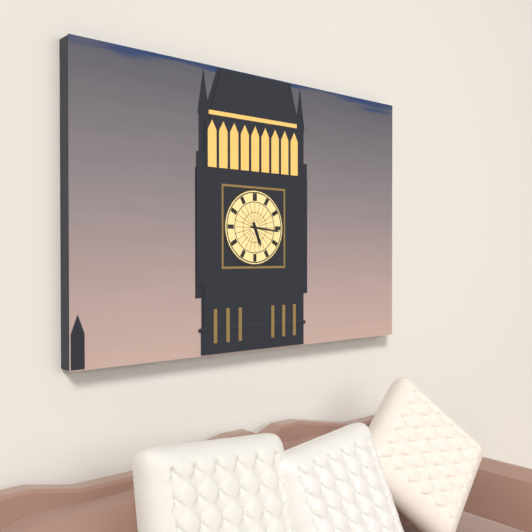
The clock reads 5.16
